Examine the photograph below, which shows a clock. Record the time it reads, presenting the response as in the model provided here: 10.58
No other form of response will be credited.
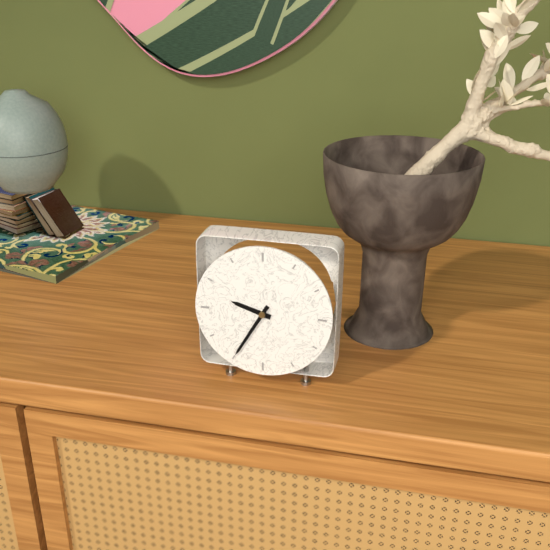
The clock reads 9.35
